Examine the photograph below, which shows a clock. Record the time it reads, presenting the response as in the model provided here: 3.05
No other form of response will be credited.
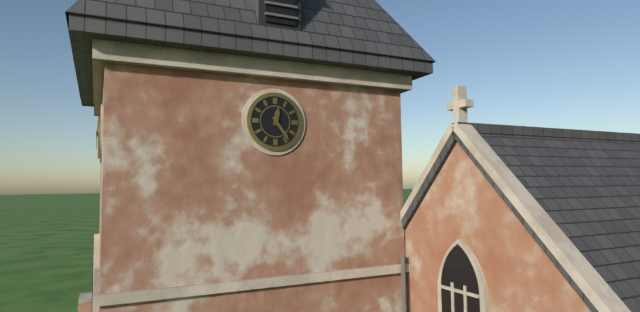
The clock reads 12.24
